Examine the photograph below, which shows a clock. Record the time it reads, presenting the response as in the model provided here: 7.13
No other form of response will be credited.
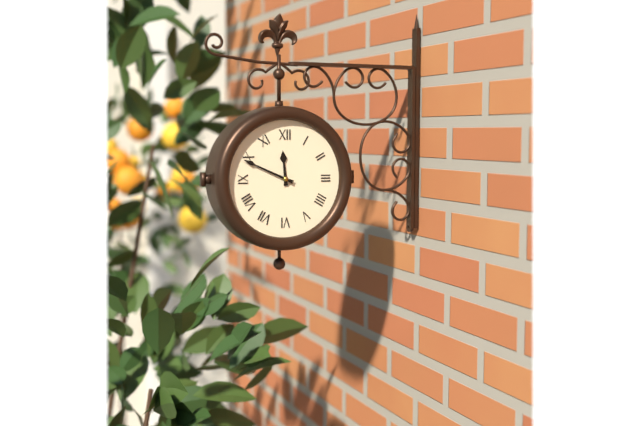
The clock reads 11.49
